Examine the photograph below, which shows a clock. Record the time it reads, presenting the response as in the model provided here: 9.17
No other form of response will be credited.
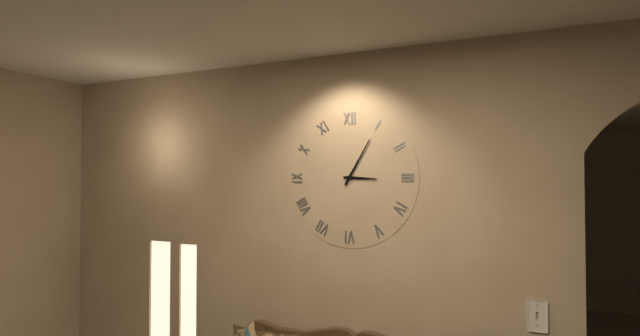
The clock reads 3.05
